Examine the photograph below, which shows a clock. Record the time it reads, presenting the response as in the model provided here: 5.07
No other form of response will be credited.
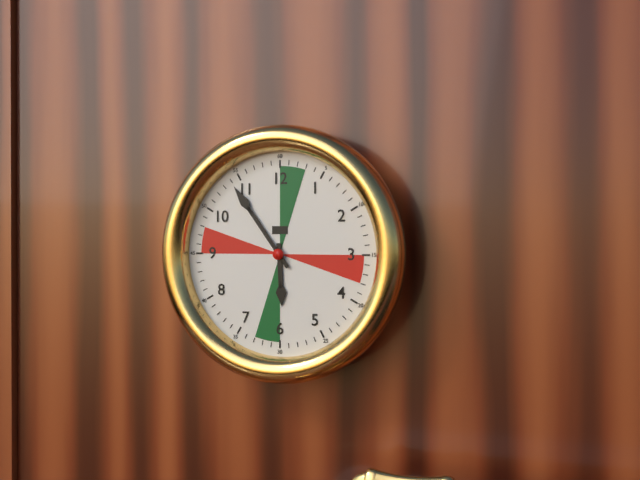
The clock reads 5.54
